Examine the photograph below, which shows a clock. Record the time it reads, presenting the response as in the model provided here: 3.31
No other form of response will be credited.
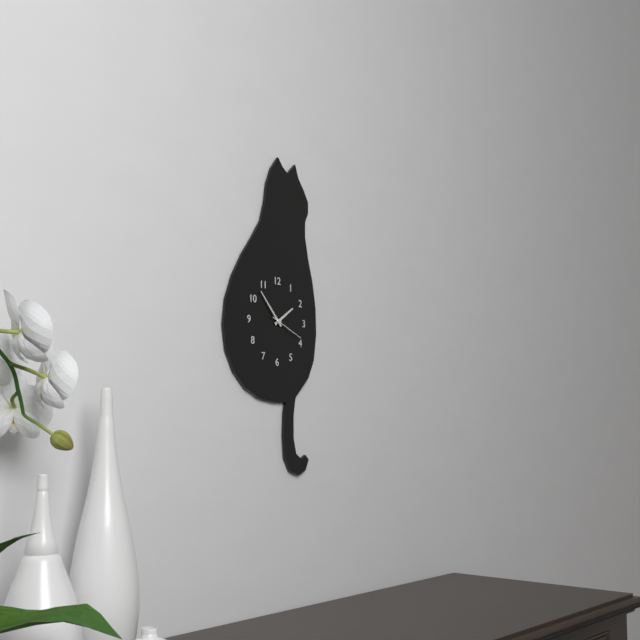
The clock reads 1.53
